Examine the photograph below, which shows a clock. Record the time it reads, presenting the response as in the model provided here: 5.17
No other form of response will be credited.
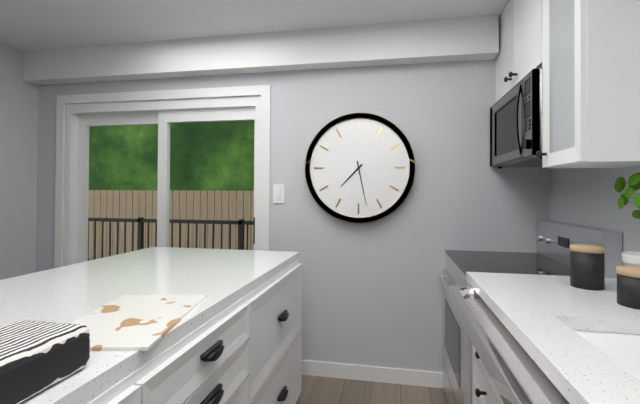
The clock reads 7.28
